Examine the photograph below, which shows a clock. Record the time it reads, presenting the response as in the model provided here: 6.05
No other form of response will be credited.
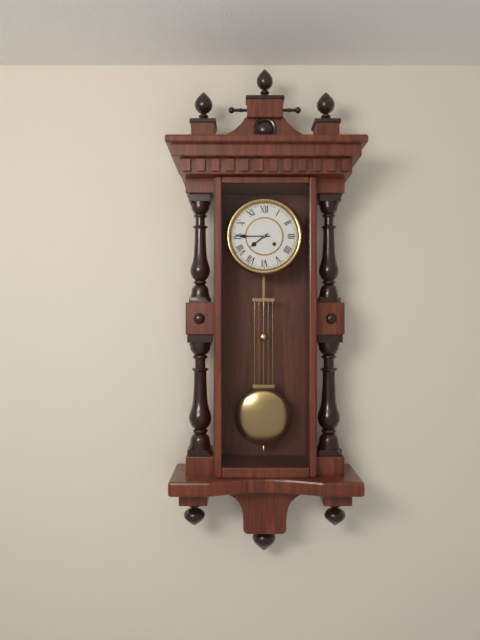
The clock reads 7.45
